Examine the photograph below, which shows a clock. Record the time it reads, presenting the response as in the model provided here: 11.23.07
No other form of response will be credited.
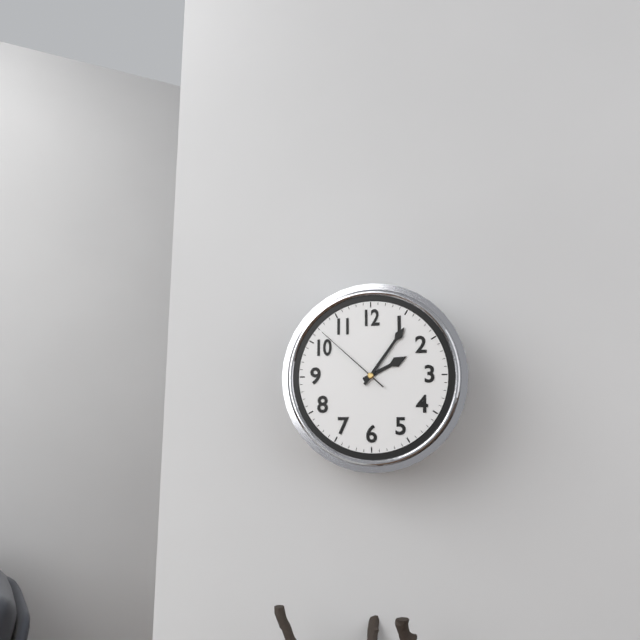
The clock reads 2.06.52
